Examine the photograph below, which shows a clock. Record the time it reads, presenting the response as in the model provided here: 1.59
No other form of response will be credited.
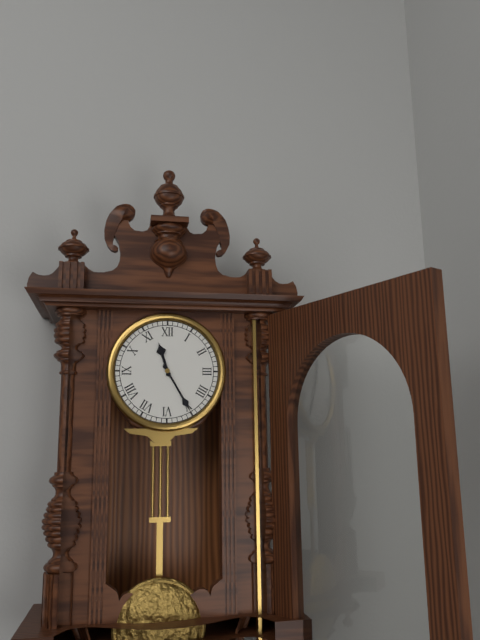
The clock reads 11.25
